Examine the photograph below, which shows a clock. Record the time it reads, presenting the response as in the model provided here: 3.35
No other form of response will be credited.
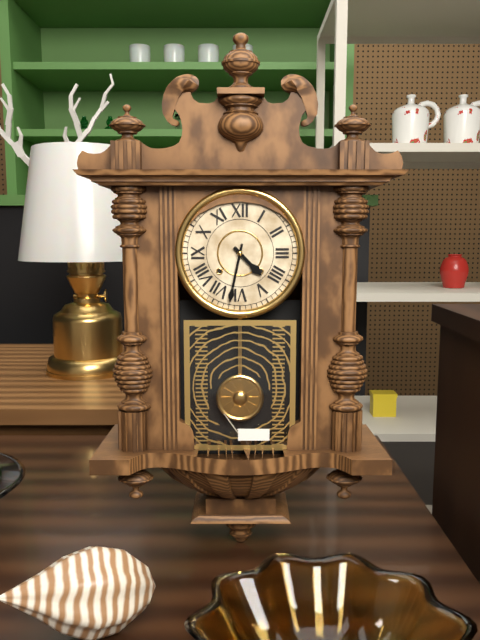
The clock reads 4.32
